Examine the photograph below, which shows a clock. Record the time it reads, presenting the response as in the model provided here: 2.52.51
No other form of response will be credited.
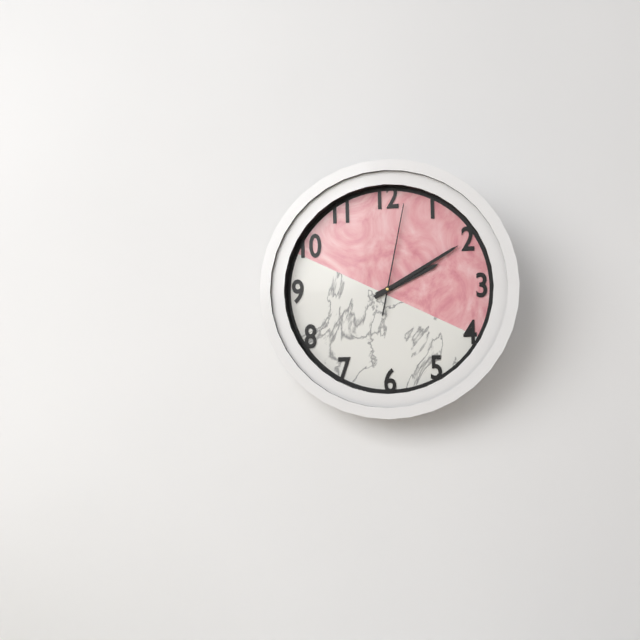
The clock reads 2.10.02
